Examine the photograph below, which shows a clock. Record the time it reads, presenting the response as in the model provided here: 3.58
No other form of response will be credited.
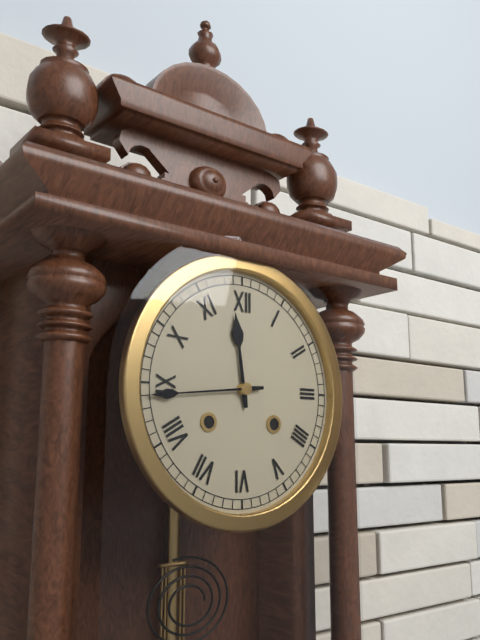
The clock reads 11.44
